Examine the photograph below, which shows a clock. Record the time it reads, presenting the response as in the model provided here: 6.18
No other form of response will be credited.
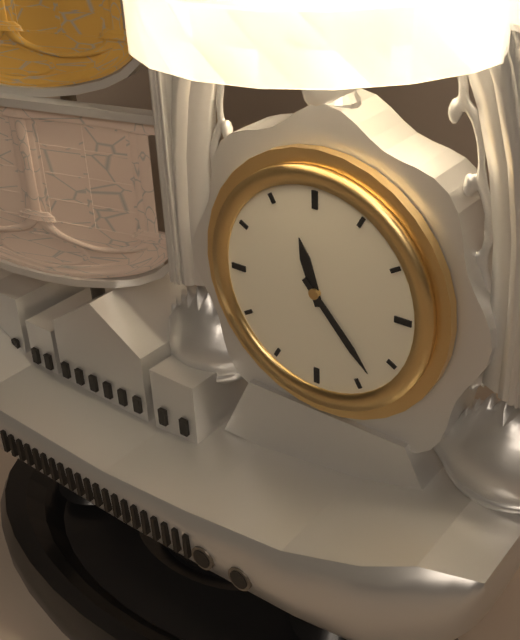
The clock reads 11.23
